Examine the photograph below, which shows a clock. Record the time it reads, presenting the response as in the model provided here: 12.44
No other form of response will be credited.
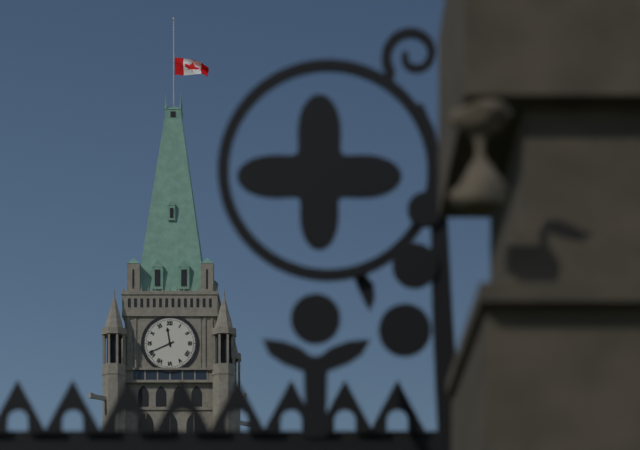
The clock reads 11.41
